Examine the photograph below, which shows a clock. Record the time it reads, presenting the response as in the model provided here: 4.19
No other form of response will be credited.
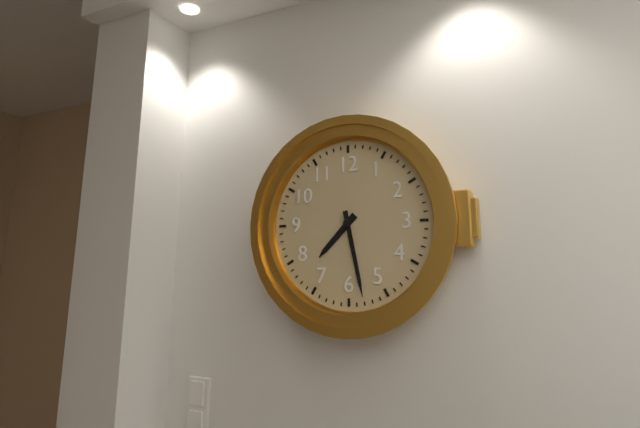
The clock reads 7.28
